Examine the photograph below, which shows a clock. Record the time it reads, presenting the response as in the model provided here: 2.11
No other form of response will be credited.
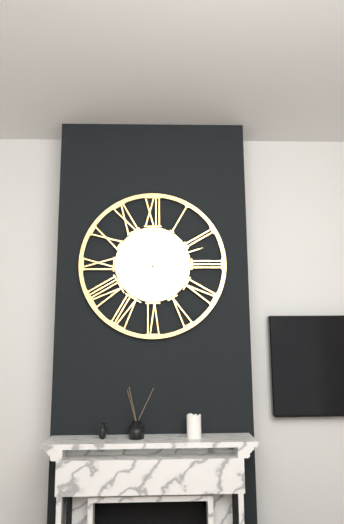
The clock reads 4.12
